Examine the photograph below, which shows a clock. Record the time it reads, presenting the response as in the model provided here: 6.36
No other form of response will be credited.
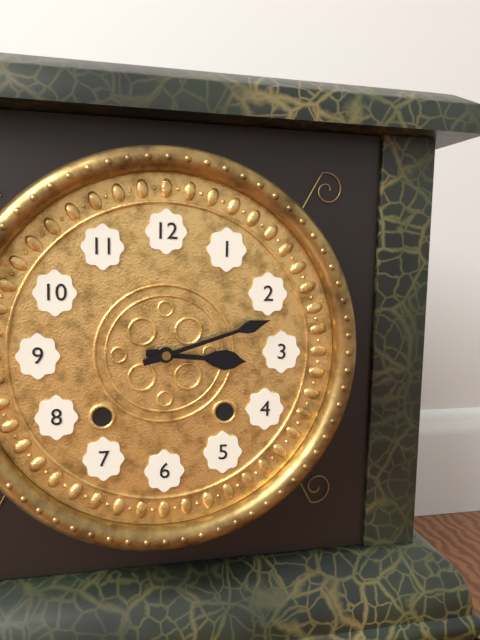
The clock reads 3.12
